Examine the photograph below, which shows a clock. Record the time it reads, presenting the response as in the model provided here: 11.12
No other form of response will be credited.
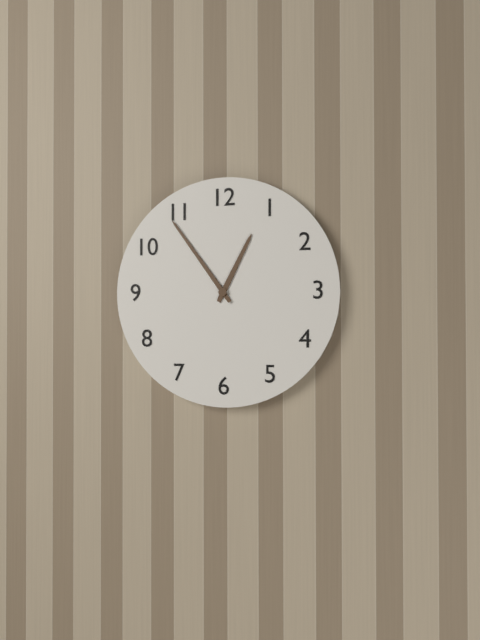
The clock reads 12.54
